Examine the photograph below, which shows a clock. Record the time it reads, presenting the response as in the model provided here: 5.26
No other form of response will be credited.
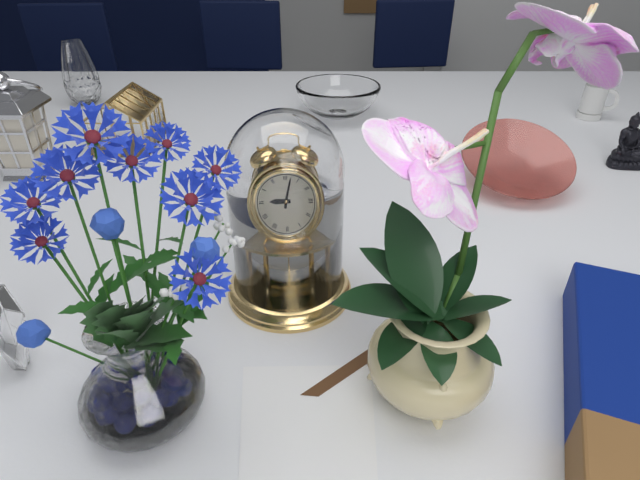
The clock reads 9.02
